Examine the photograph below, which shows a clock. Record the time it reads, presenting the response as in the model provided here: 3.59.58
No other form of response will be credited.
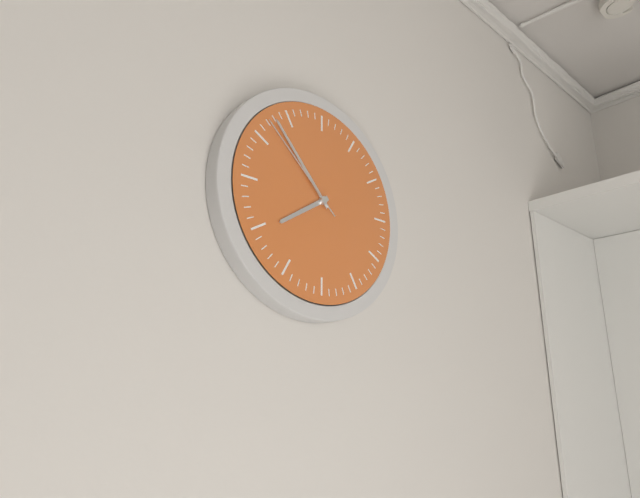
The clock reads 7.53.52
